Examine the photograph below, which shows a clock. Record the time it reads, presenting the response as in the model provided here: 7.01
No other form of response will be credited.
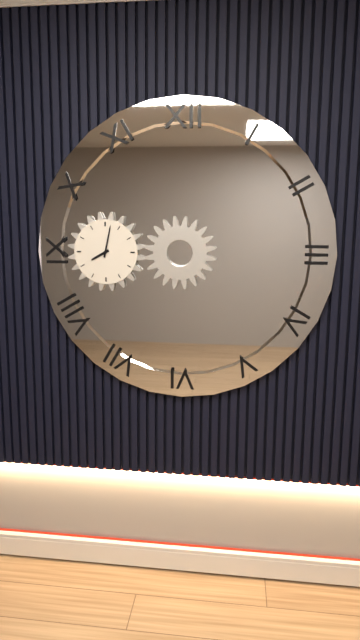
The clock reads 8.02
